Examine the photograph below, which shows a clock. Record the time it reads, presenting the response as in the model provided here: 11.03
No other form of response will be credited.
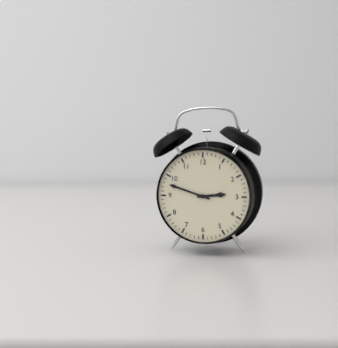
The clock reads 2.48
